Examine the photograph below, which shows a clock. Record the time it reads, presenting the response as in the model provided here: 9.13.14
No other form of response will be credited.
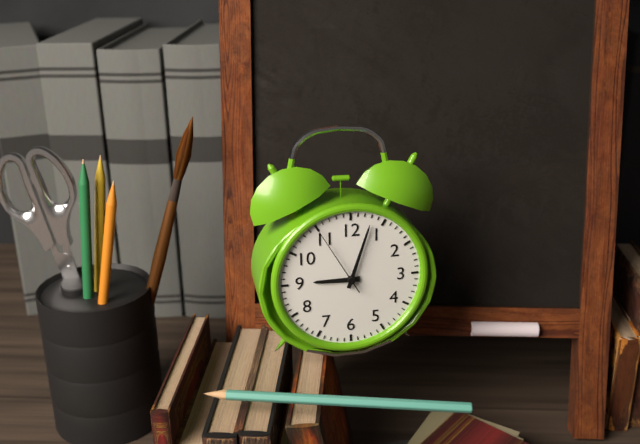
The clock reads 9.03.55
